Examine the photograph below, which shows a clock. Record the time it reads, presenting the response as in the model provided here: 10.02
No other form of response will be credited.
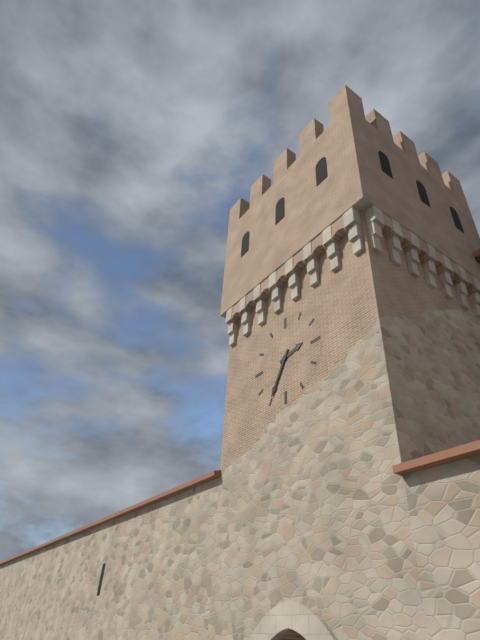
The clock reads 2.35
